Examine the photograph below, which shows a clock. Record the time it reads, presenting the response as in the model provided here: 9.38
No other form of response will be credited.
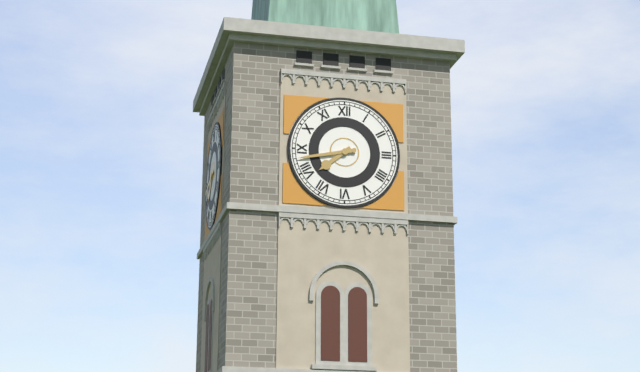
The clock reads 7.43
